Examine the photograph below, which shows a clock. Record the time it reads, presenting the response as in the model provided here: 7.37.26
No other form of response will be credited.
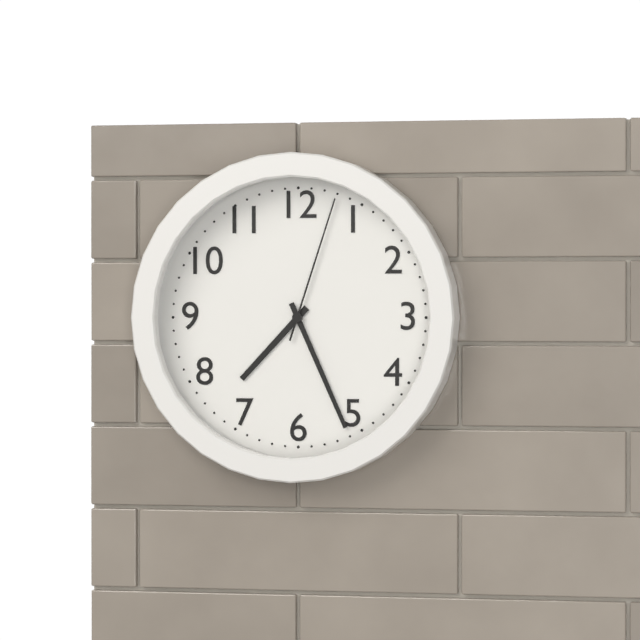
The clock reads 7.26.03
